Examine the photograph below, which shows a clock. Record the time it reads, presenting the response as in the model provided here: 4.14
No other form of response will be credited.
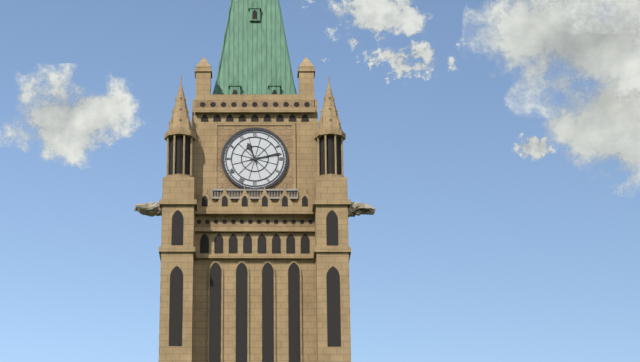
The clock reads 11.13
